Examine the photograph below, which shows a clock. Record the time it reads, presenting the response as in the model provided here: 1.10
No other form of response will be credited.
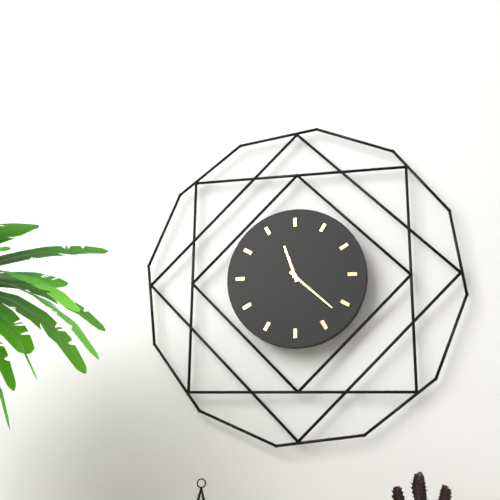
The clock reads 11.22
